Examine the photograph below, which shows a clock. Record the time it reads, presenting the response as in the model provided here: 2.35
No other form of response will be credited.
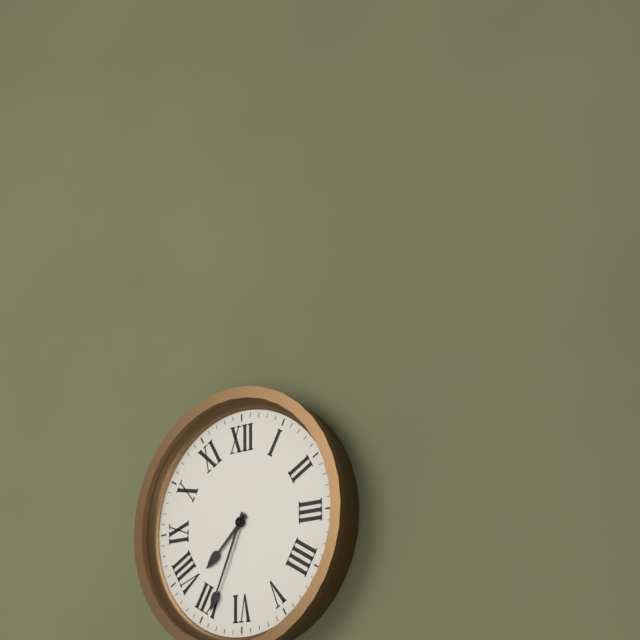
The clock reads 7.34
